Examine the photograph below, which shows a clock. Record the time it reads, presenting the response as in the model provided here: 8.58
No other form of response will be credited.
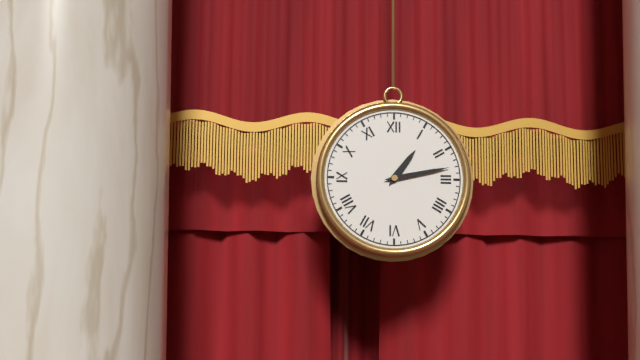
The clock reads 1.13
